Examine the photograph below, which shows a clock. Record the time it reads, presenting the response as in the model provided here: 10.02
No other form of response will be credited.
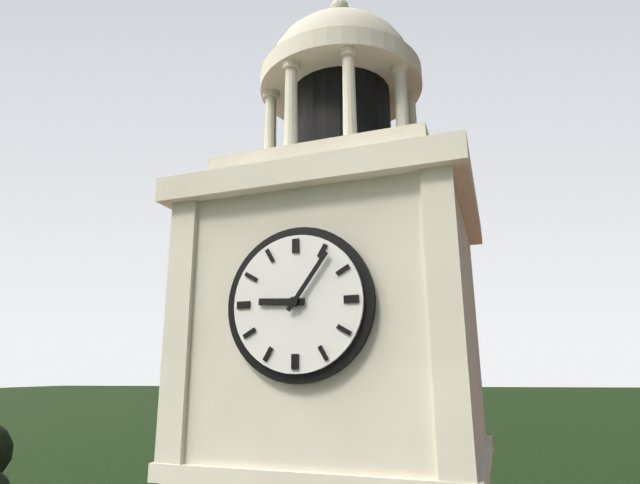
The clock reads 9.06
